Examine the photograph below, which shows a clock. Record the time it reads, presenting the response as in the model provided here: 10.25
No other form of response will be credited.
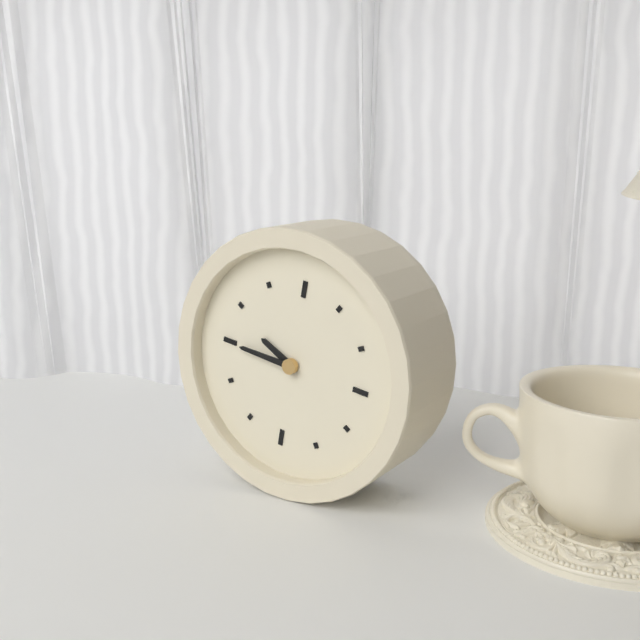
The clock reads 9.45
